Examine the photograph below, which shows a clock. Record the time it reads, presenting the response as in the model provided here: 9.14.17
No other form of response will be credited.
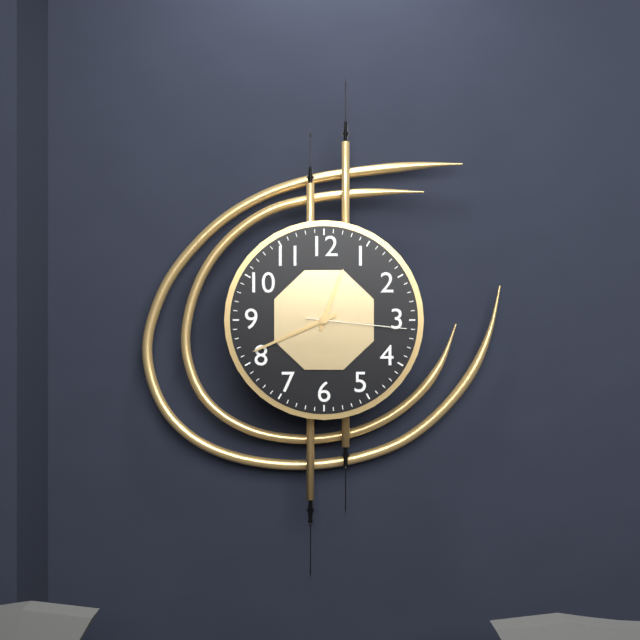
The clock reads 12.41.16
